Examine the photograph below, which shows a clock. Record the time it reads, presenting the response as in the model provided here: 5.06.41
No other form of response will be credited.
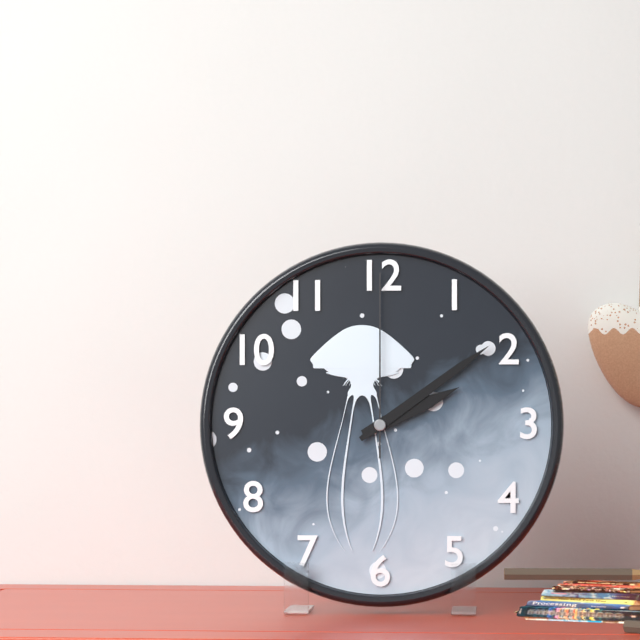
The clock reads 2.09.00
